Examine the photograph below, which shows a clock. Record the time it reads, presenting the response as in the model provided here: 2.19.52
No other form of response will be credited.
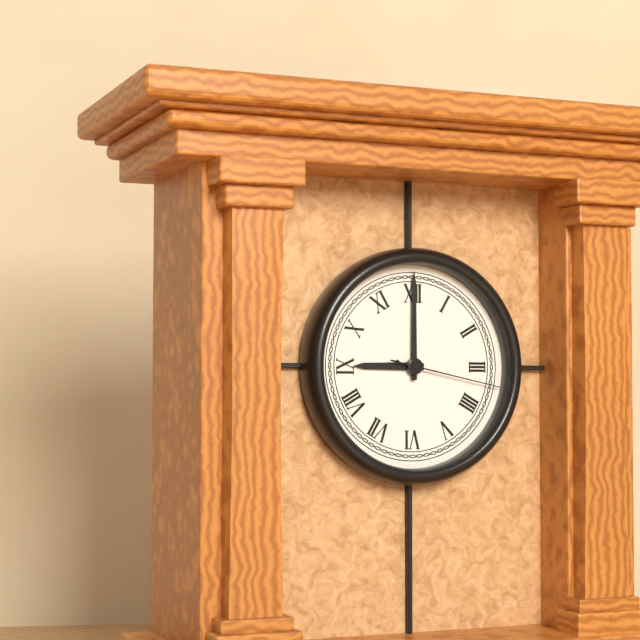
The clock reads 9.00.17
